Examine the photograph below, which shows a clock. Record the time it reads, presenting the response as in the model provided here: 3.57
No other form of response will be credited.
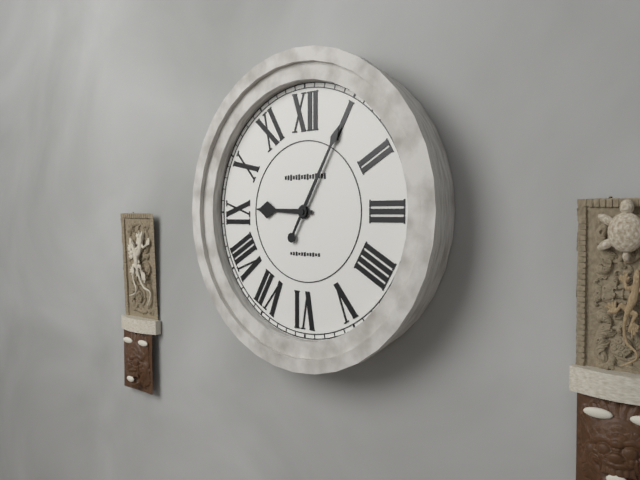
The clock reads 9.05
